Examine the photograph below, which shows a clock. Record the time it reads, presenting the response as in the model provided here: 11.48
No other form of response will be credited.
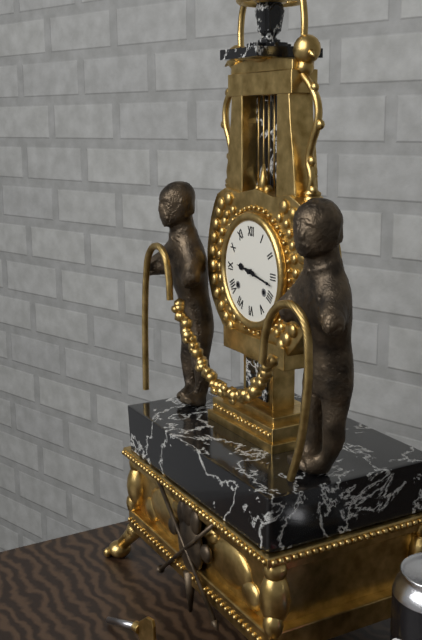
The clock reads 9.17
